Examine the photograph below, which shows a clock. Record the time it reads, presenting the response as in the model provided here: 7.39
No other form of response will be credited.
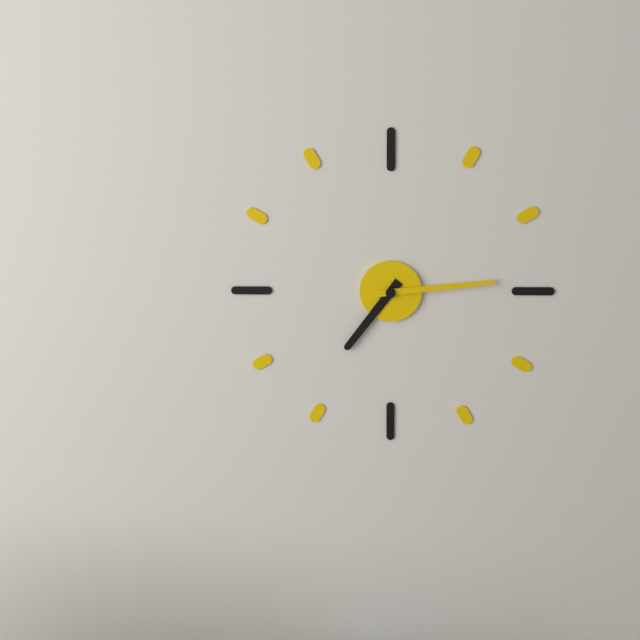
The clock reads 7.14
